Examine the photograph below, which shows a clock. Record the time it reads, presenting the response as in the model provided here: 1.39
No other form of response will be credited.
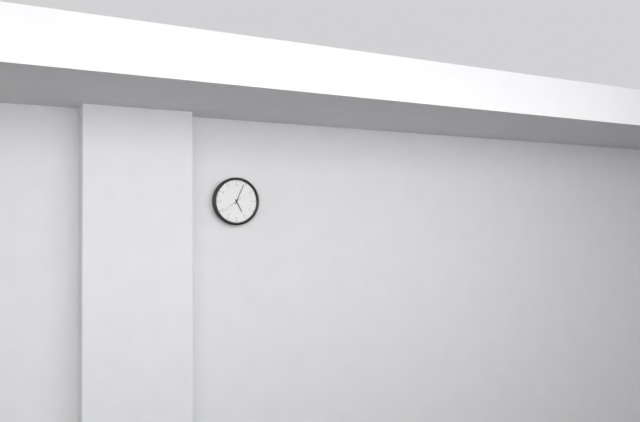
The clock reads 5.04
